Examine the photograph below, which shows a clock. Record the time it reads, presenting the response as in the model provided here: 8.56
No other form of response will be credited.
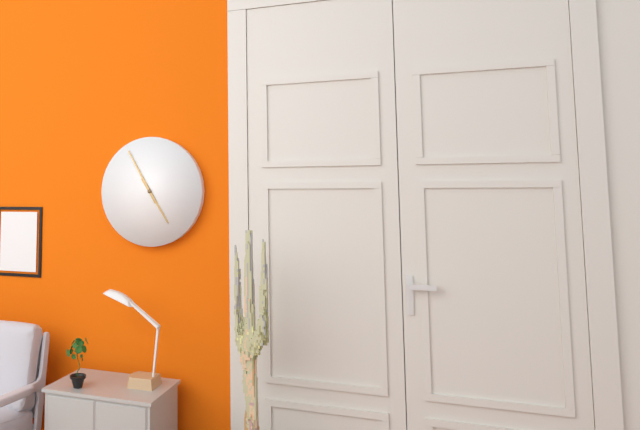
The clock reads 4.55
